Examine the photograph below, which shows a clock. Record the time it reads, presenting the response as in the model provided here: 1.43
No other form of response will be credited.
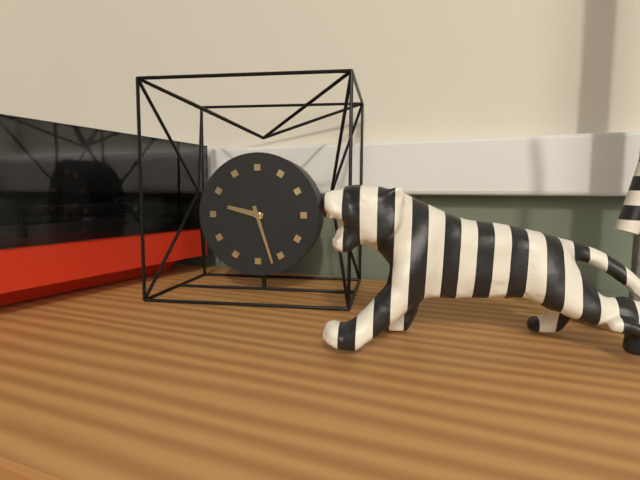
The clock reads 9.27
